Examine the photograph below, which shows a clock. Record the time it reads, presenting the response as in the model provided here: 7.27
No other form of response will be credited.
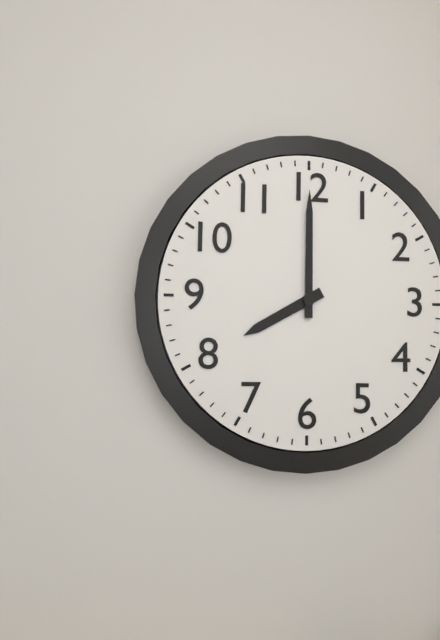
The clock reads 8.00
